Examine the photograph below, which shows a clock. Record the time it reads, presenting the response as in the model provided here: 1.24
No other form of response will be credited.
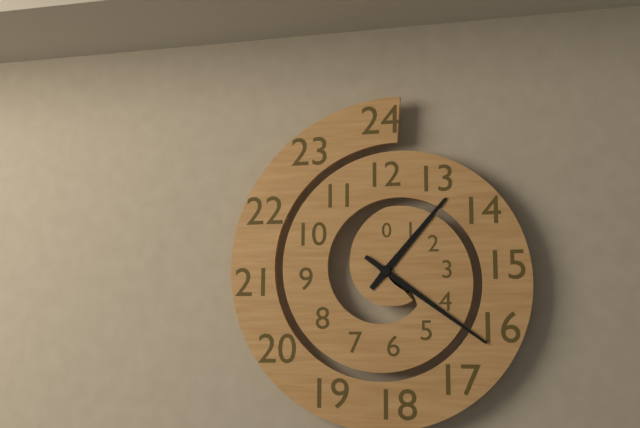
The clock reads 1.21
